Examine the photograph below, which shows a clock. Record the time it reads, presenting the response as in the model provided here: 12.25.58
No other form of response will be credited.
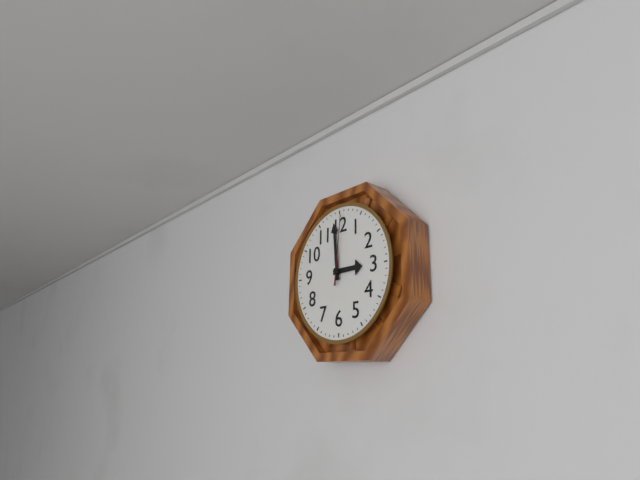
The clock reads 2.59.01
